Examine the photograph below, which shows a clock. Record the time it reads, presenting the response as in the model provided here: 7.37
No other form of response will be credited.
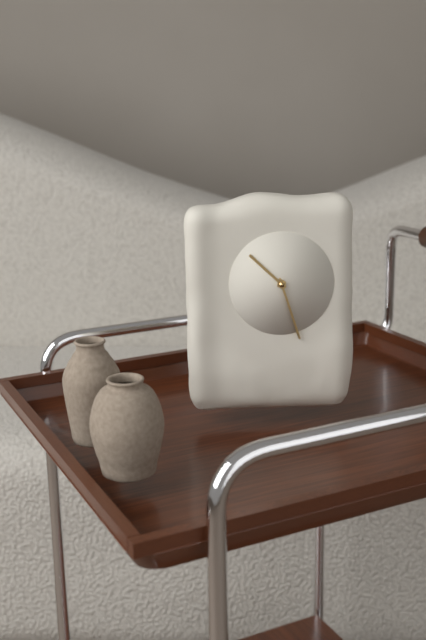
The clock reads 10.27
